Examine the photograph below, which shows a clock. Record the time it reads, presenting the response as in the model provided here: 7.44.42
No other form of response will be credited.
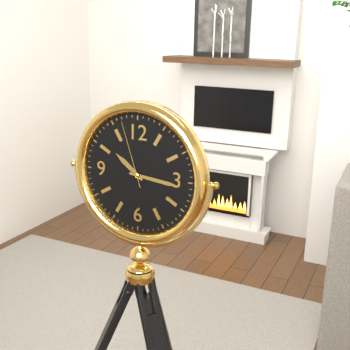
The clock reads 10.16.57
